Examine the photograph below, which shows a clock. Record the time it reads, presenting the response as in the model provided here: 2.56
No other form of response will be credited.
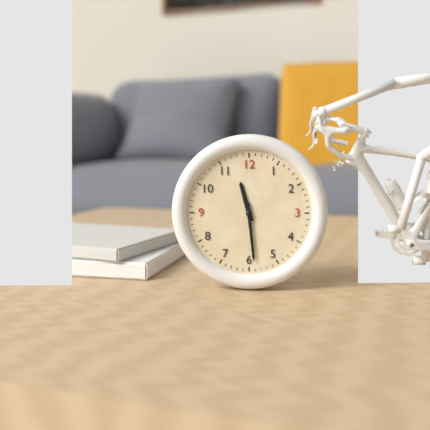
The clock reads 11.29
